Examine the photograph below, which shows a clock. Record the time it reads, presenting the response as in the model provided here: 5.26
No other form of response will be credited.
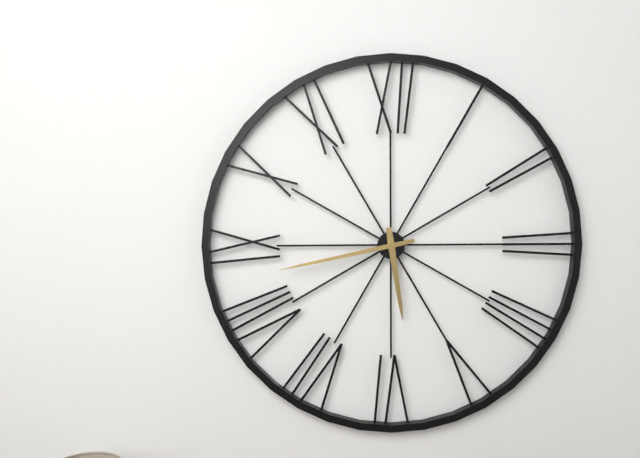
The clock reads 5.43
